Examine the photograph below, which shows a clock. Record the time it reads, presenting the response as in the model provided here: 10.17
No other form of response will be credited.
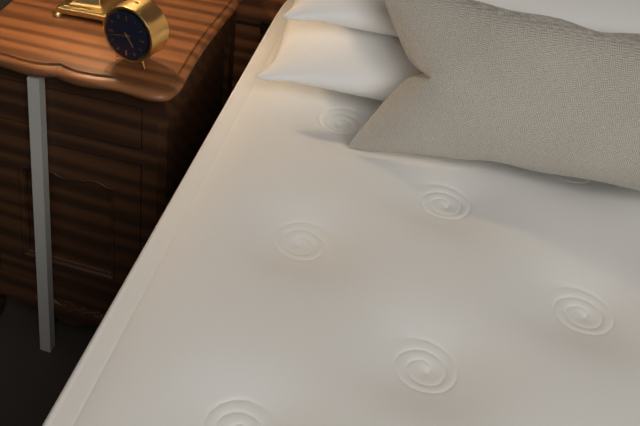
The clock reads 4.43
